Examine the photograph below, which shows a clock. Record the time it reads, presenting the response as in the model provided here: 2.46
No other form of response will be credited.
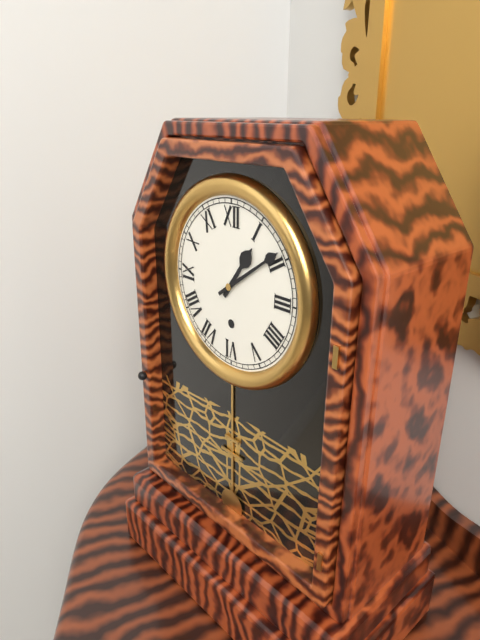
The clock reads 1.09
